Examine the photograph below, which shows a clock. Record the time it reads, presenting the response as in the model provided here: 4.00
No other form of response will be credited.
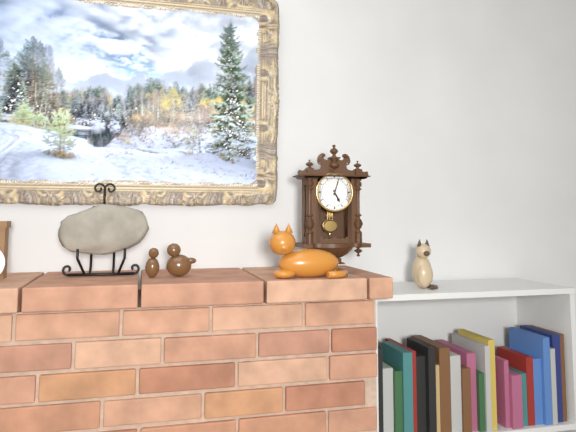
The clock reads 5.03
